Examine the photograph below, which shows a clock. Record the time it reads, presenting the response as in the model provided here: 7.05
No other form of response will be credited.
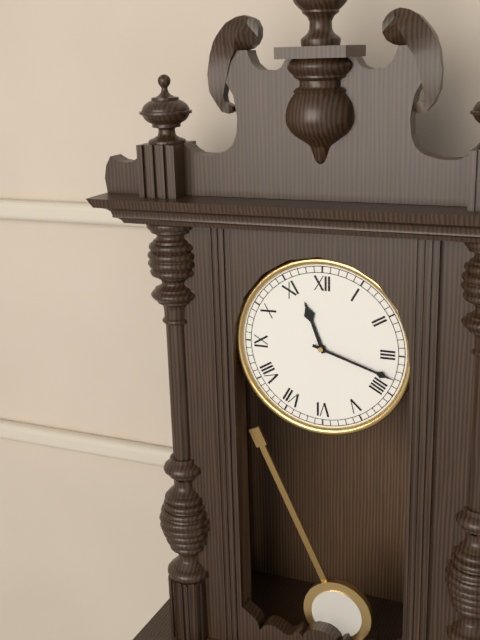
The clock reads 11.18
